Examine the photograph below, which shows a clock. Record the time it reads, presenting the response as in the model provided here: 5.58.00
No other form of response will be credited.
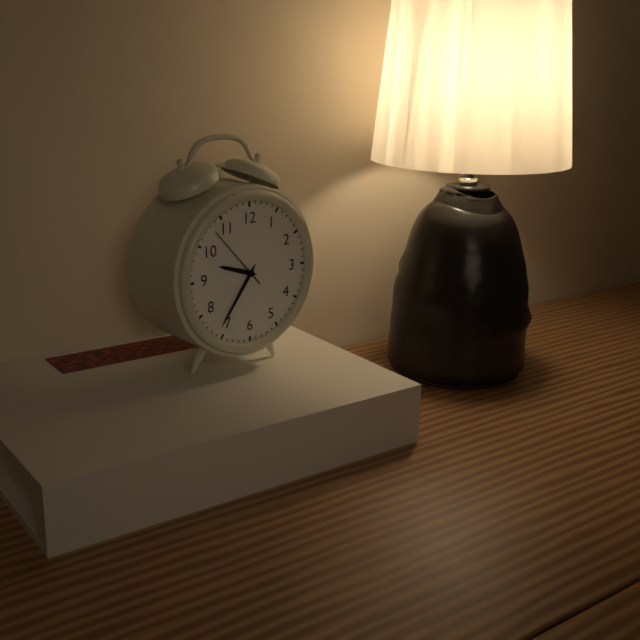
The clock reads 9.36.53
